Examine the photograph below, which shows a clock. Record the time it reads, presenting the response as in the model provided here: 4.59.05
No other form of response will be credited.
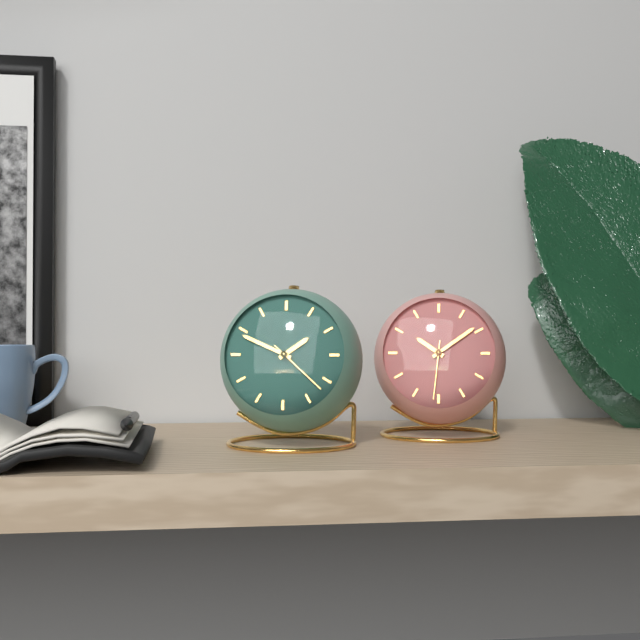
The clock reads 1.49.22
